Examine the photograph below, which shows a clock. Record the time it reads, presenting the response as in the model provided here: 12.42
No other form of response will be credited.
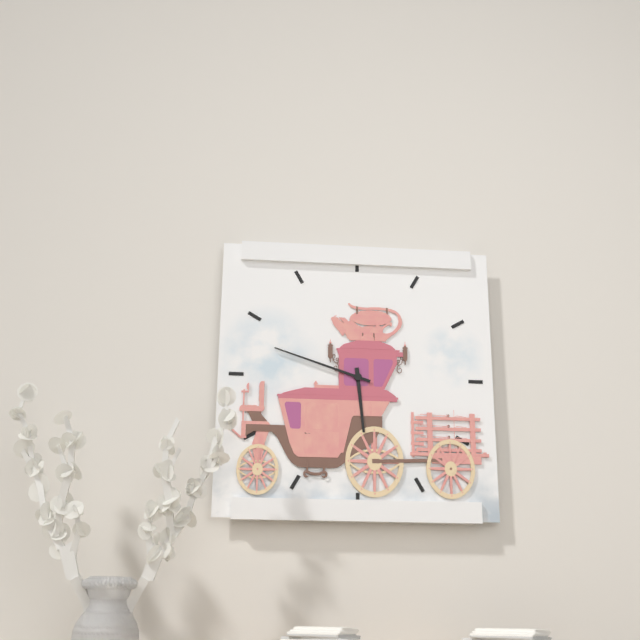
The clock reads 5.48
